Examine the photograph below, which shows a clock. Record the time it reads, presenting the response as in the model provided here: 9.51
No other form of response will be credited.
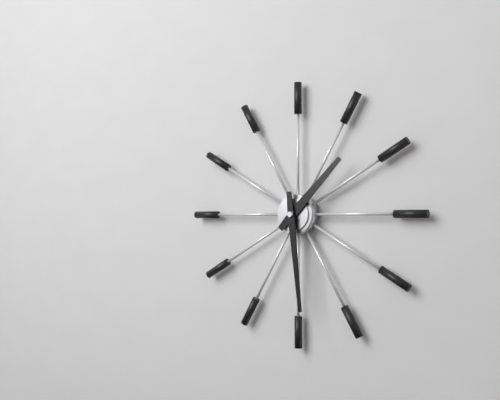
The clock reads 1.29
